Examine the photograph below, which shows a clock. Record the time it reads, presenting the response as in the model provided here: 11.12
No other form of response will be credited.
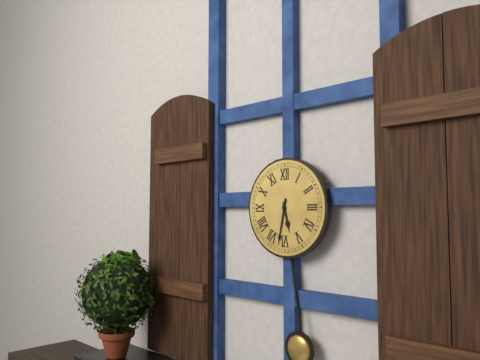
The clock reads 5.32
